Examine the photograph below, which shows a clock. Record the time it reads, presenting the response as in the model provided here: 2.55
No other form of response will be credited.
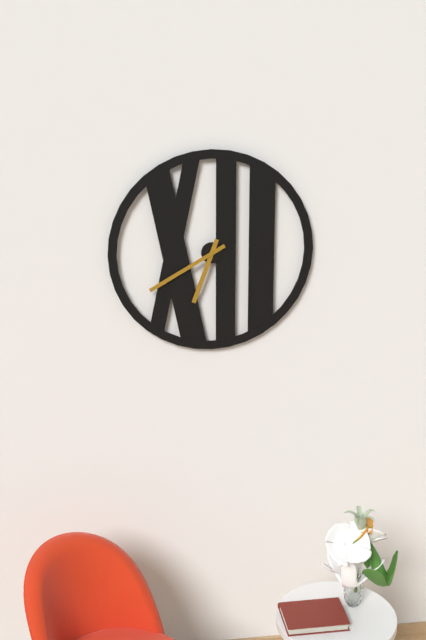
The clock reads 6.40
